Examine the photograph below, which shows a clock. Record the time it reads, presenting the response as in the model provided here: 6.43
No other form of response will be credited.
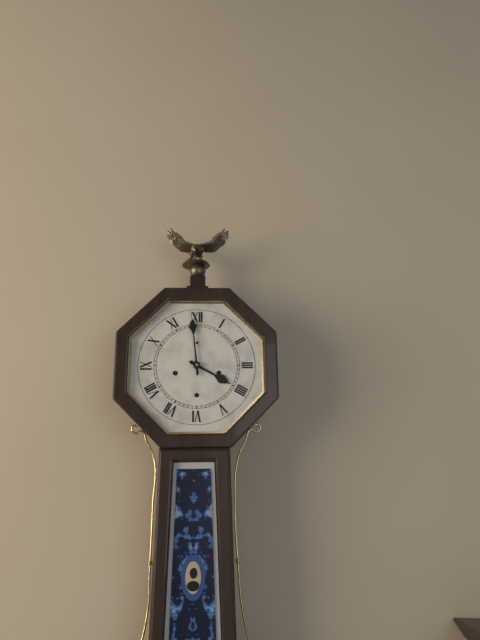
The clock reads 3.59
